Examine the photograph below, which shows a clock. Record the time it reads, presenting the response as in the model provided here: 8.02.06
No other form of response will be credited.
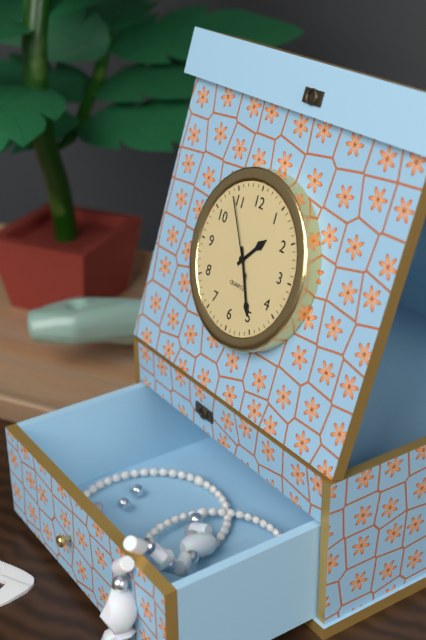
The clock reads 1.25.54
